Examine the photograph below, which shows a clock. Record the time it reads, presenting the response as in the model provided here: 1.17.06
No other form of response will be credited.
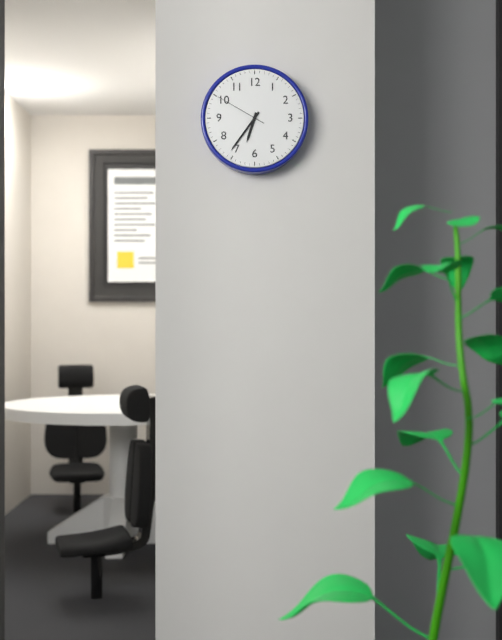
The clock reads 6.36.50
